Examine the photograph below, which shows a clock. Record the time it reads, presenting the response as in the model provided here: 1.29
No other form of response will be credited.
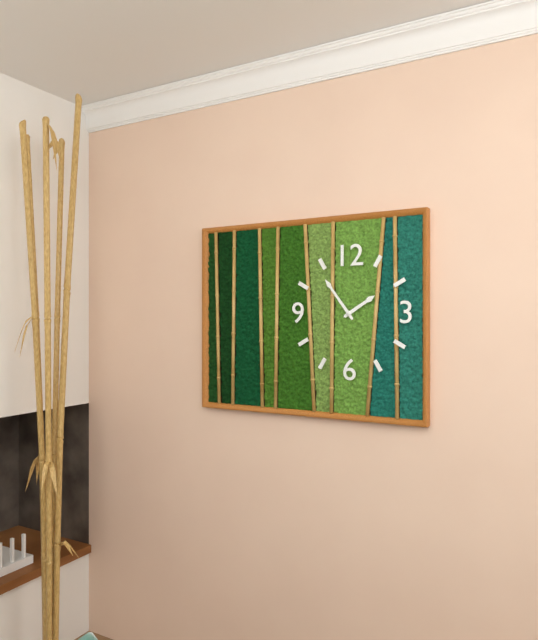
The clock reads 1.54
